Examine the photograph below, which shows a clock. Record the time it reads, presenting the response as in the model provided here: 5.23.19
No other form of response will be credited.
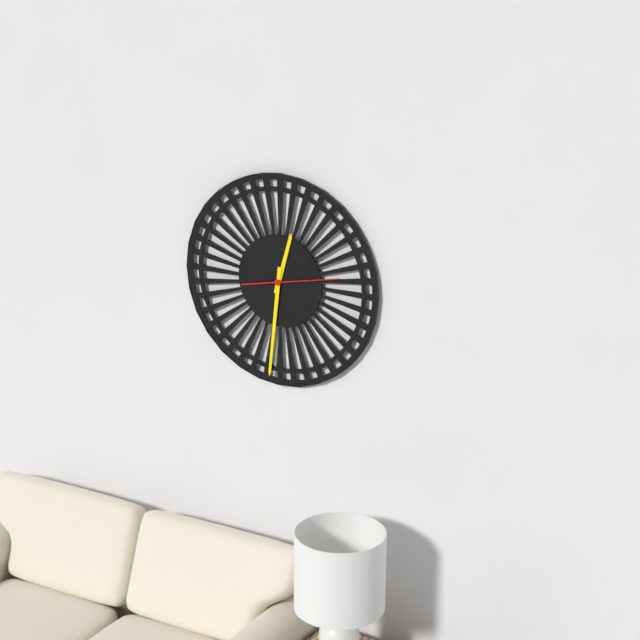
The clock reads 12.31.13
